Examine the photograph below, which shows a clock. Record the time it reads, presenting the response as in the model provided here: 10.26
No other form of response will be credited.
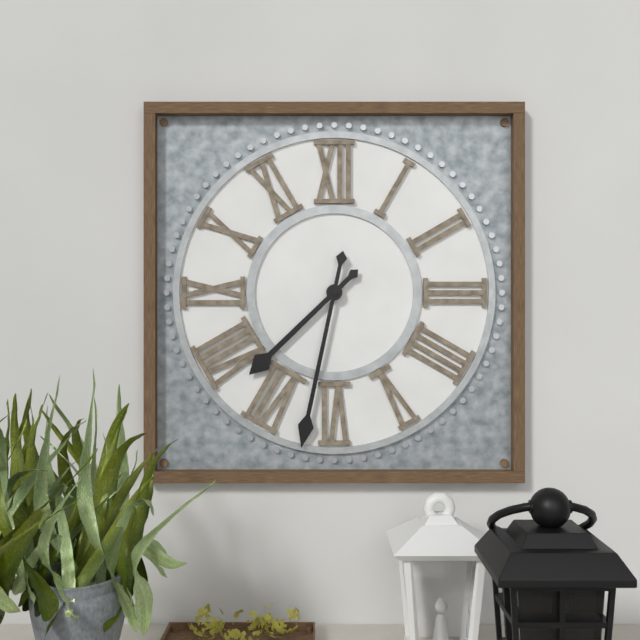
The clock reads 7.32
